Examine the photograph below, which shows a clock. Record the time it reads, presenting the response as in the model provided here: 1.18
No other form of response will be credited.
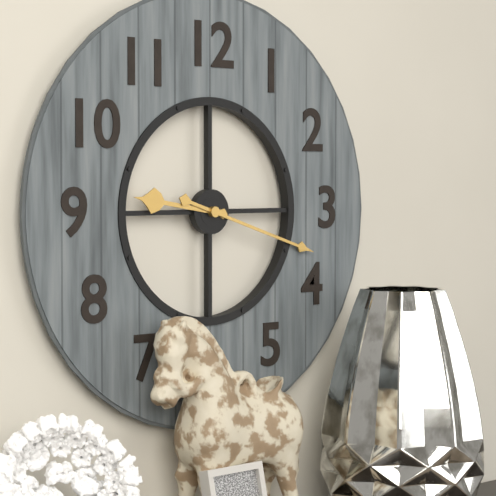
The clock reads 9.18
